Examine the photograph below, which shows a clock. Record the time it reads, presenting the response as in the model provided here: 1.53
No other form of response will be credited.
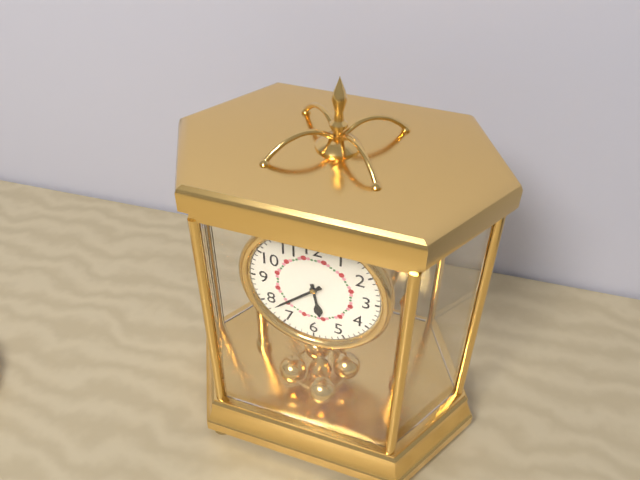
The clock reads 5.38
